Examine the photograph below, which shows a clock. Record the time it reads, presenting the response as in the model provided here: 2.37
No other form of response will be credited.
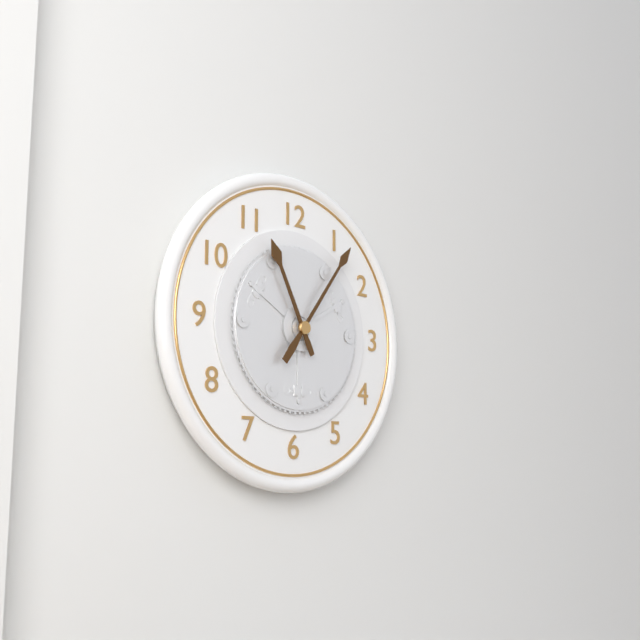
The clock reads 11.06
